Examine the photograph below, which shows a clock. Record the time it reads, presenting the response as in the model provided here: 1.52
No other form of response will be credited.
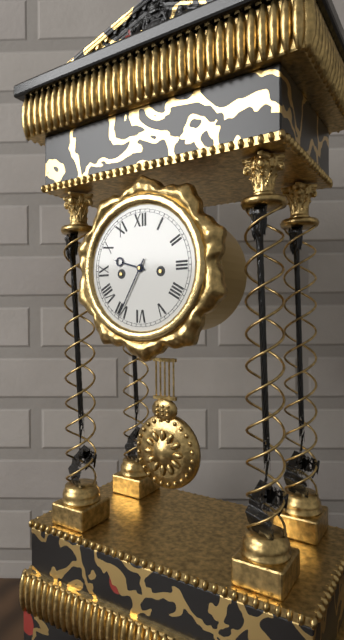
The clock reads 9.35
